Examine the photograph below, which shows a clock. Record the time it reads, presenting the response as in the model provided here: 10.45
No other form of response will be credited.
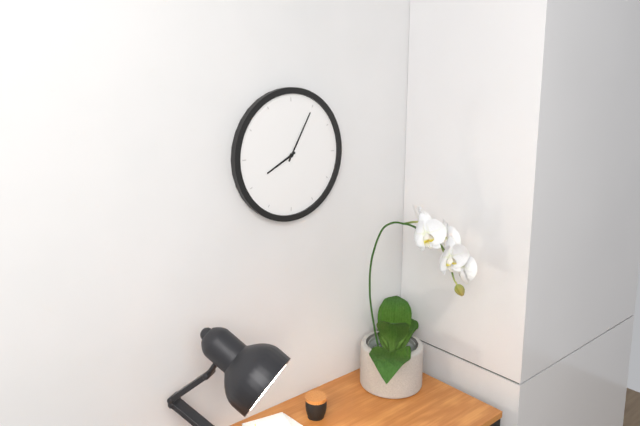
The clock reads 8.05
